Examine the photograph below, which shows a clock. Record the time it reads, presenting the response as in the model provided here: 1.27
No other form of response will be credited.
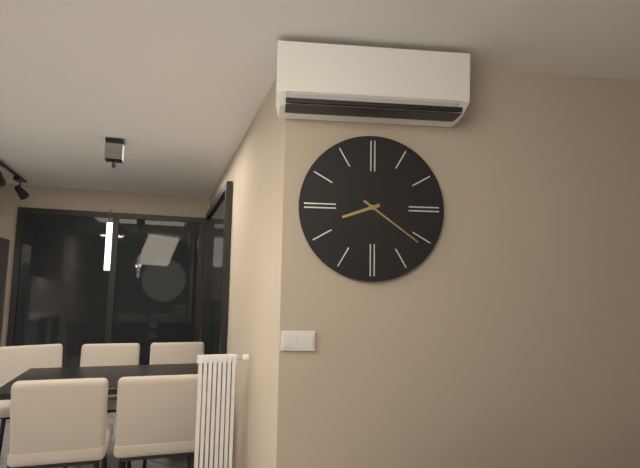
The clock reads 8.21
